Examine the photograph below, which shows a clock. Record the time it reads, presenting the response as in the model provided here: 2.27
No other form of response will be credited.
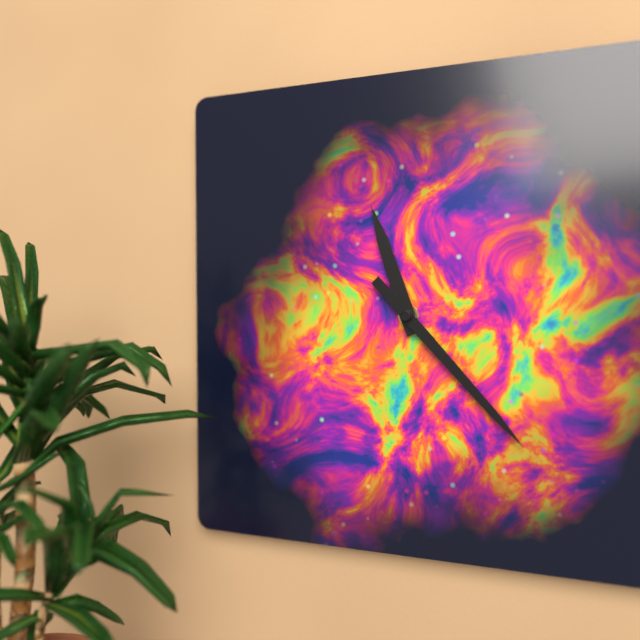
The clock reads 11.23
